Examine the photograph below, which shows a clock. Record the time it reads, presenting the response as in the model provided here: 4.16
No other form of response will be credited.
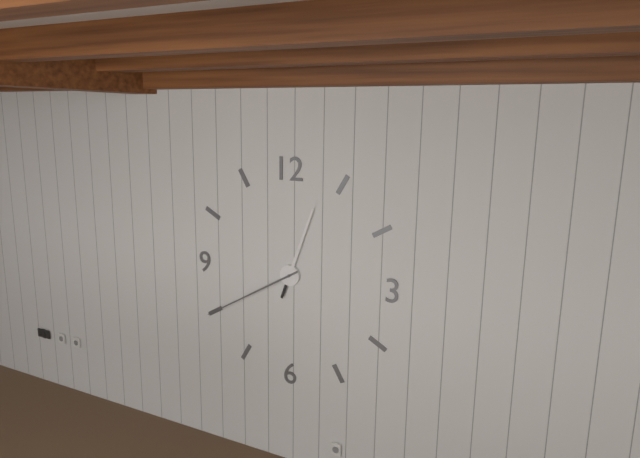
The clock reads 12.40
